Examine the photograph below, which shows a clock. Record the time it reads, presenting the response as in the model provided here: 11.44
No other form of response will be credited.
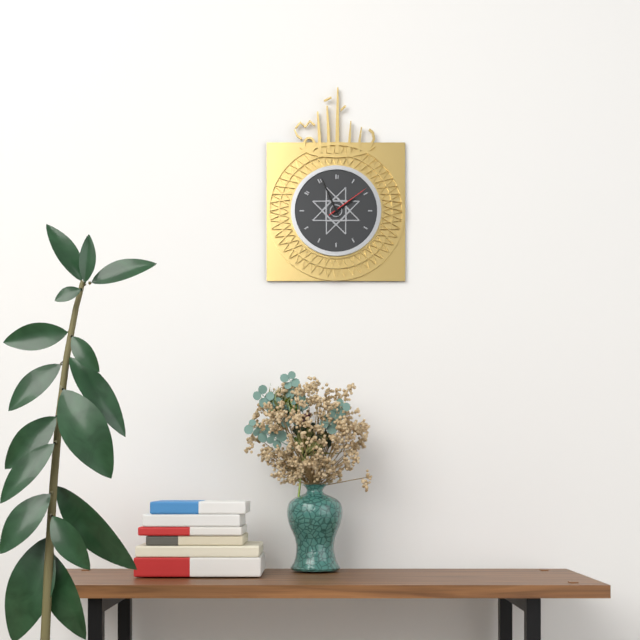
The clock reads 1.56
